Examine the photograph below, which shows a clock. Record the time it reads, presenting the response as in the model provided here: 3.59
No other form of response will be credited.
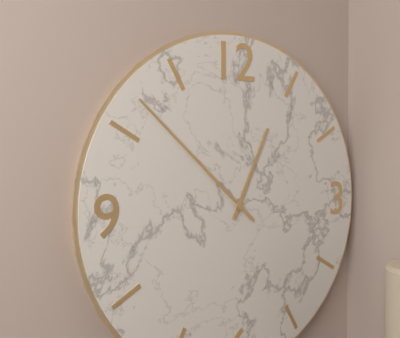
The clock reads 12.52
